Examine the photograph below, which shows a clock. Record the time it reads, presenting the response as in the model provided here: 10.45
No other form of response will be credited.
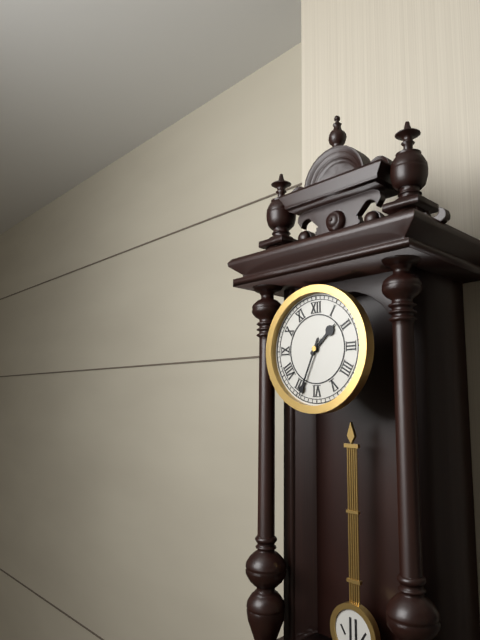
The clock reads 1.34
